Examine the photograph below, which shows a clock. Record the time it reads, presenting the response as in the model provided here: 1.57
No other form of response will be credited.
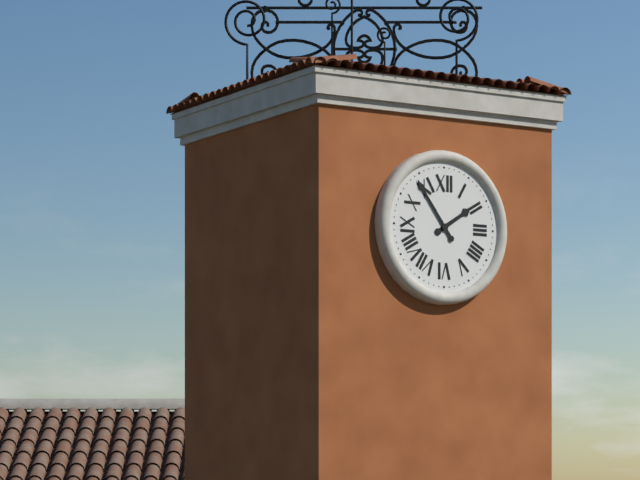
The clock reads 1.54
